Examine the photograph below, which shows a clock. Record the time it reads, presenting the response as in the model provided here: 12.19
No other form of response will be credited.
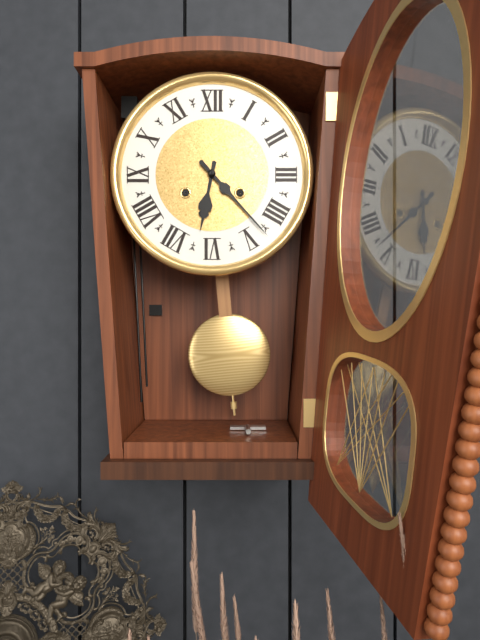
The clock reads 6.23
